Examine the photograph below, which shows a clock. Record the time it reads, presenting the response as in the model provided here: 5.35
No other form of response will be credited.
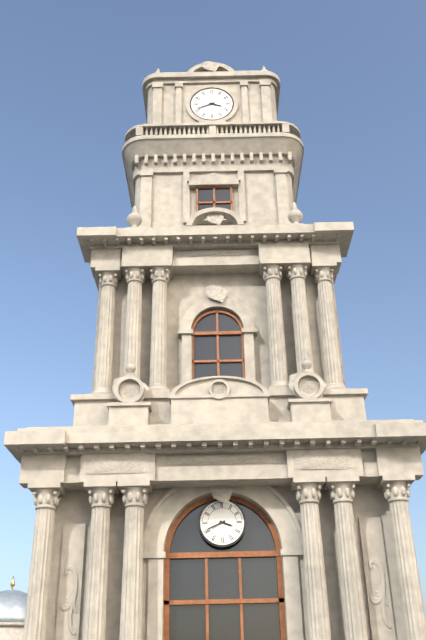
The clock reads 3.41
